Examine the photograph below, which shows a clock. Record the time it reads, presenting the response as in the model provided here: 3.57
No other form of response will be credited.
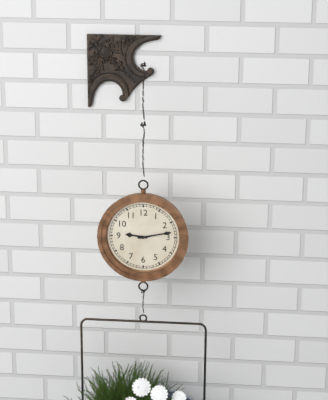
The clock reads 9.13
